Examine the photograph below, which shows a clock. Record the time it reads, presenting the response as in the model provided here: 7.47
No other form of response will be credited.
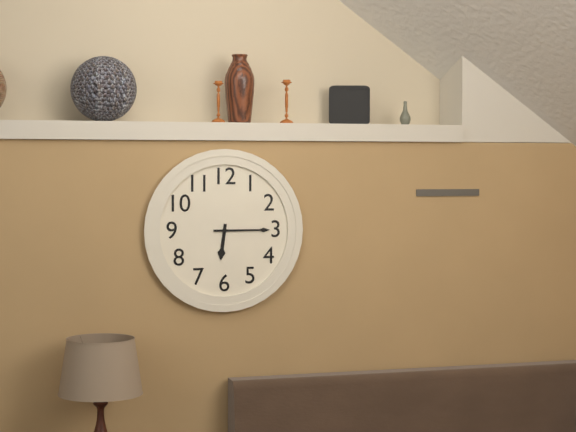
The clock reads 6.15
